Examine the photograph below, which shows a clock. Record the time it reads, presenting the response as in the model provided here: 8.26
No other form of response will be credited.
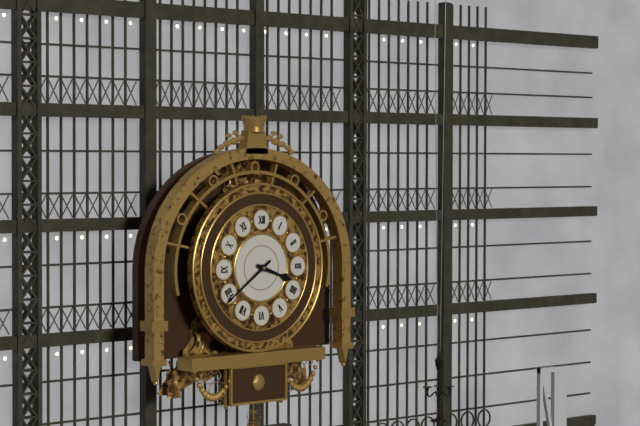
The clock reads 3.39
